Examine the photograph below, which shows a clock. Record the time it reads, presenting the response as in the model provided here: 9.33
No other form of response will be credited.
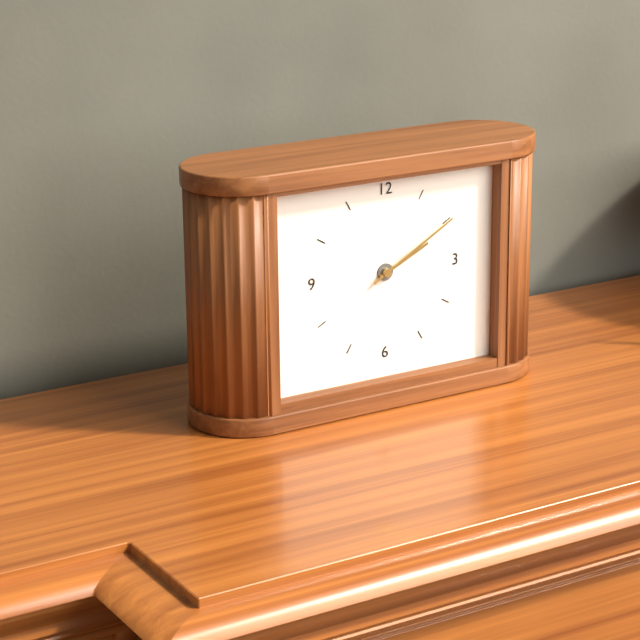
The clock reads 2.10
